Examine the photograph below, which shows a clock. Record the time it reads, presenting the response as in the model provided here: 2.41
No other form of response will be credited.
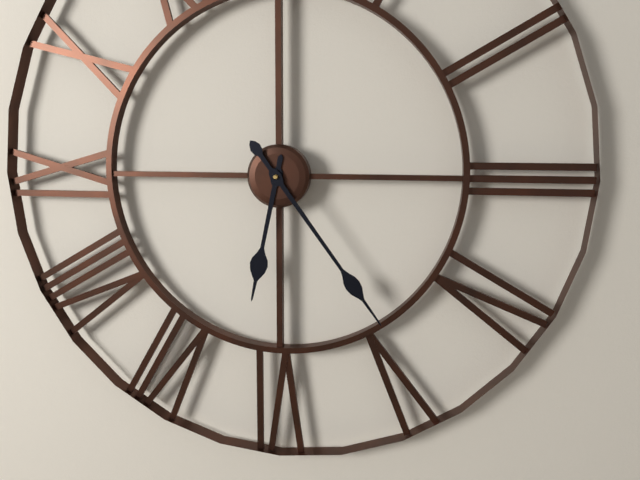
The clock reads 6.24
